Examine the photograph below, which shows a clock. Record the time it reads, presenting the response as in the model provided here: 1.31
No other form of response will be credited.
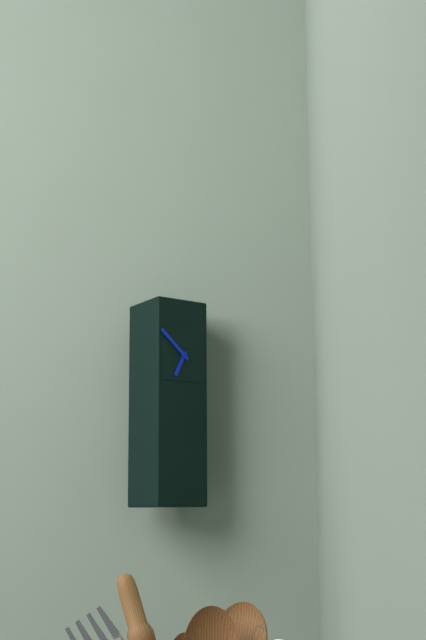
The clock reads 6.52
